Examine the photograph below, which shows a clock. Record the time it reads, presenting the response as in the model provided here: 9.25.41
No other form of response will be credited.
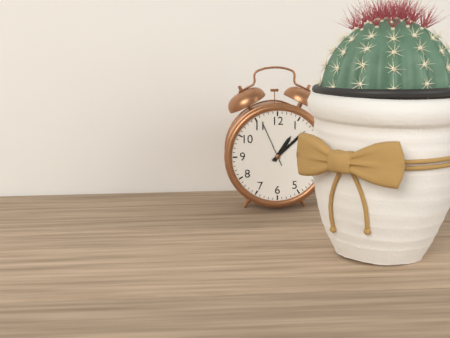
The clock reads 1.08.56
